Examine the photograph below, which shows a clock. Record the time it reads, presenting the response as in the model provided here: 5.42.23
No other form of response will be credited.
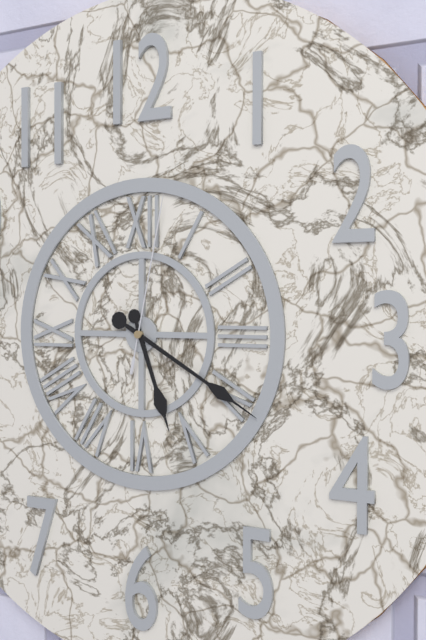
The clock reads 5.20.02
